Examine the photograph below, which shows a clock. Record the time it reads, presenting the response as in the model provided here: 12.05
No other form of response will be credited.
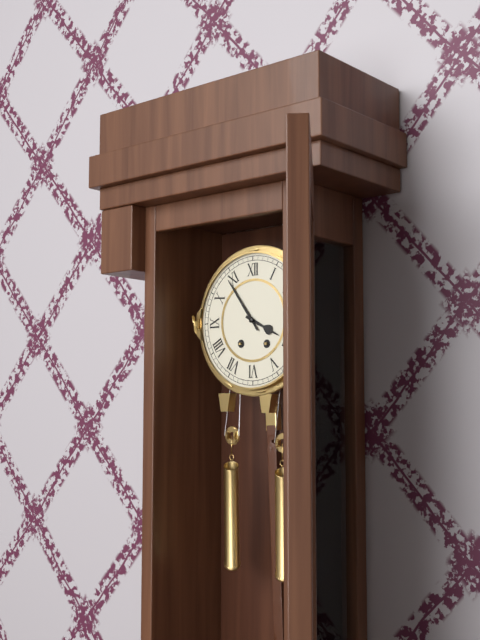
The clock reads 3.54
